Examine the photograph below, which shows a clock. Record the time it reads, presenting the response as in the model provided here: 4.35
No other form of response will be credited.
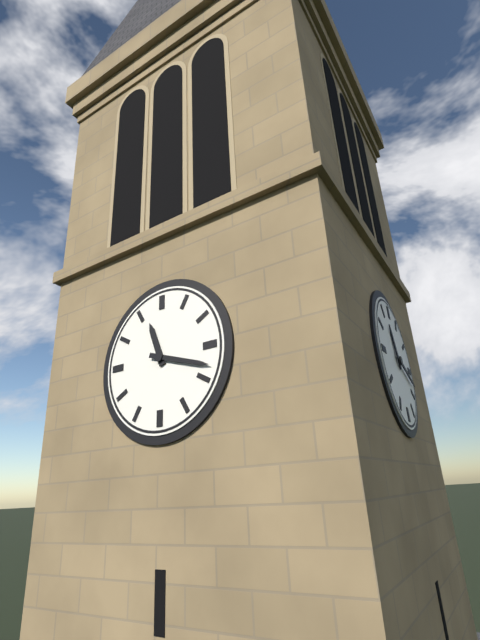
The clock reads 11.18
